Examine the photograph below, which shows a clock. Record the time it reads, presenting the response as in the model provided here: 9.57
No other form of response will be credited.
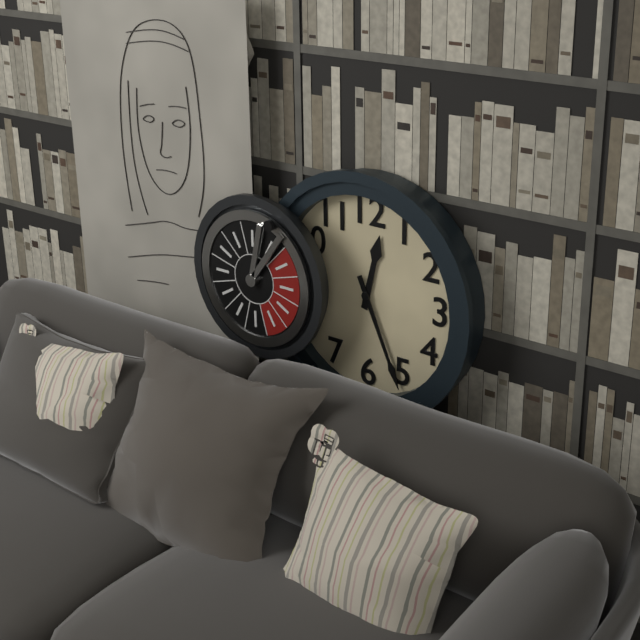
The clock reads 12.26
